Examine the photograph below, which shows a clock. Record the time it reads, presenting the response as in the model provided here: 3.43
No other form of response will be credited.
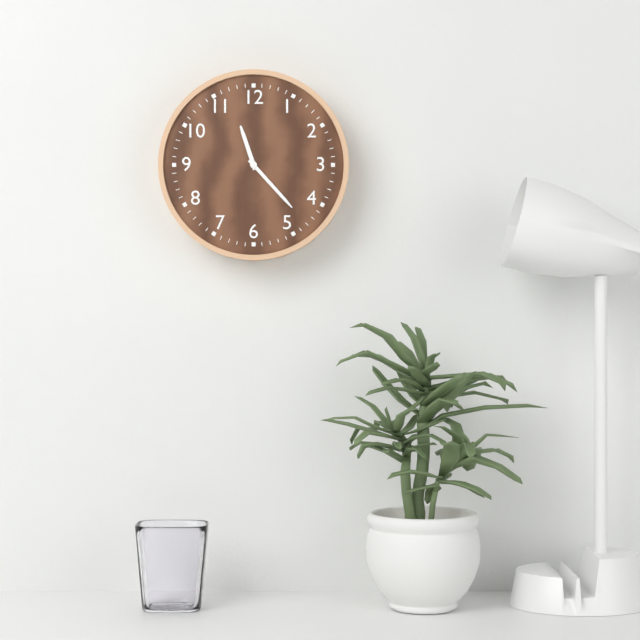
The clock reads 11.23
